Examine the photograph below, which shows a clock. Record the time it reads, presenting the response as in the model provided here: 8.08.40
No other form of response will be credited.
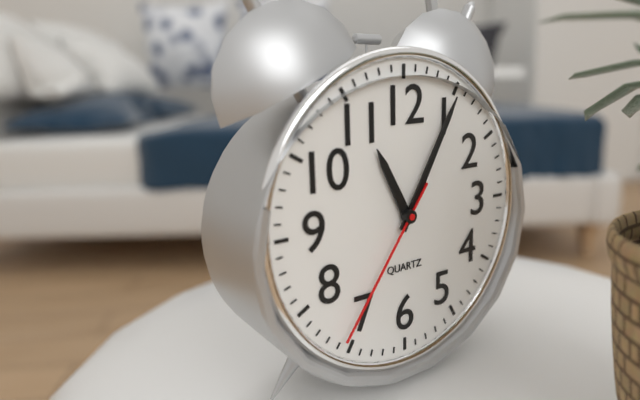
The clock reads 11.05.36
